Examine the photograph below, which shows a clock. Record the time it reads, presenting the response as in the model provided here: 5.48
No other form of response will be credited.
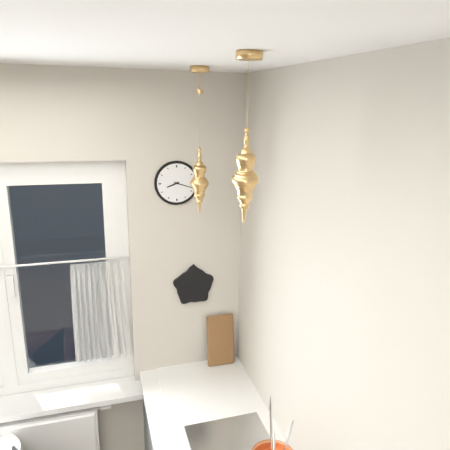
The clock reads 8.18
